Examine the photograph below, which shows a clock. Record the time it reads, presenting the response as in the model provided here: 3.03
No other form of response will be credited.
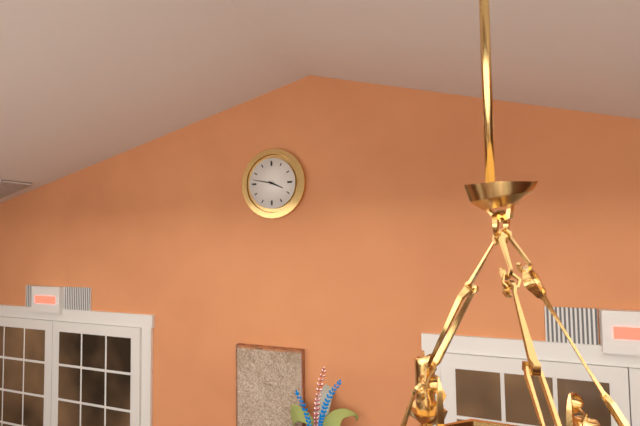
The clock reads 3.47
